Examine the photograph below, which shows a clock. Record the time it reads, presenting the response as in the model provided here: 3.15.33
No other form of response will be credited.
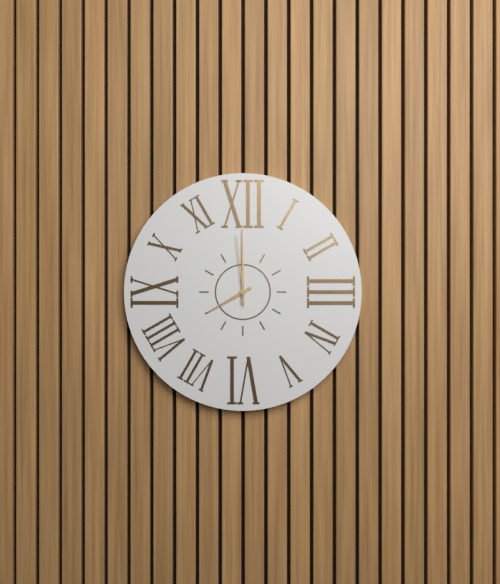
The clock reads 8.00.59
